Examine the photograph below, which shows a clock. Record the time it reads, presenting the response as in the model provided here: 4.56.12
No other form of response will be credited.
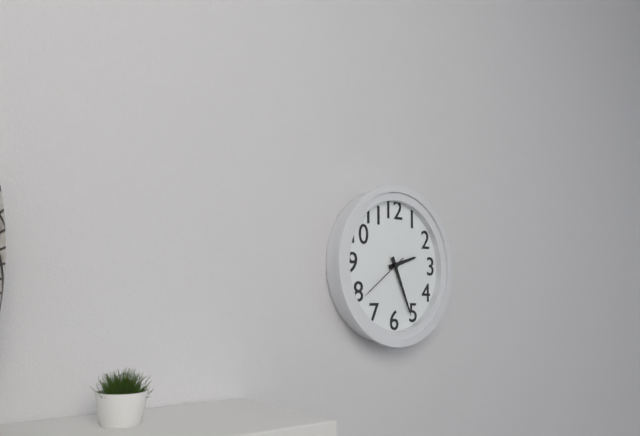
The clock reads 2.26.39
